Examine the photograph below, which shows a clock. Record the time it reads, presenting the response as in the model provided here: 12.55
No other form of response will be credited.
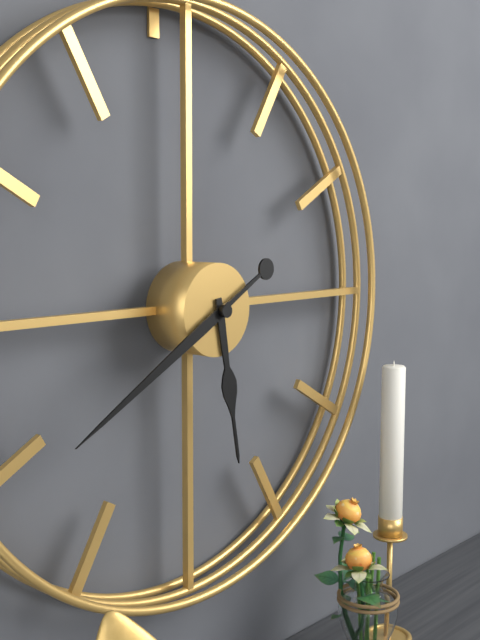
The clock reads 5.40
